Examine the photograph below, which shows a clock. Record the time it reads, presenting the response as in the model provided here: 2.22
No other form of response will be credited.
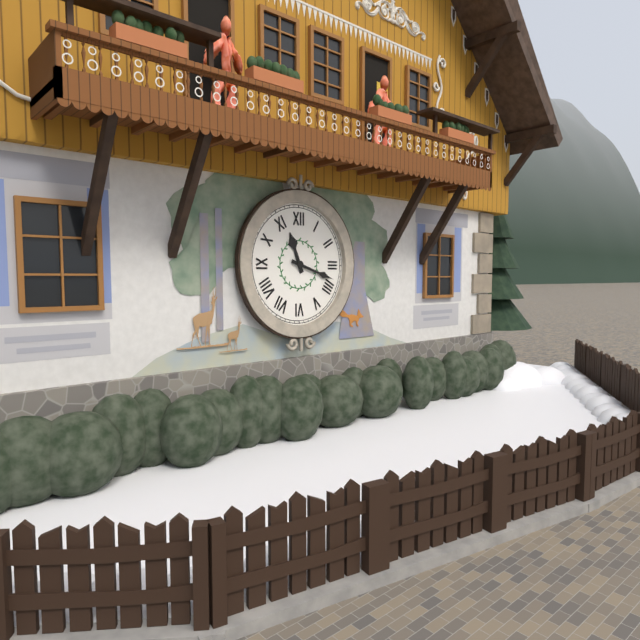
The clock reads 11.18
